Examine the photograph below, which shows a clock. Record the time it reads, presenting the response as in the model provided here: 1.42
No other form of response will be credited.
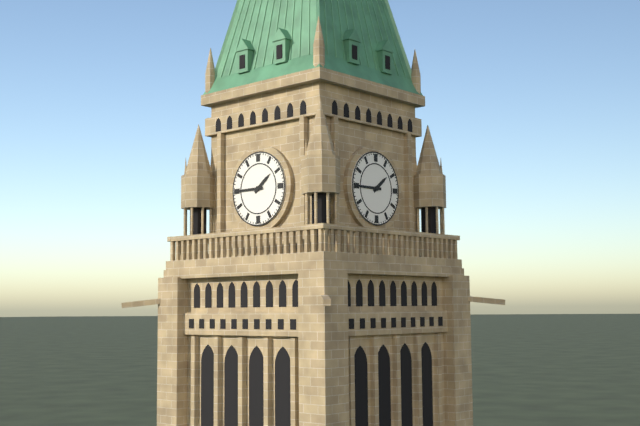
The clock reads 1.45
